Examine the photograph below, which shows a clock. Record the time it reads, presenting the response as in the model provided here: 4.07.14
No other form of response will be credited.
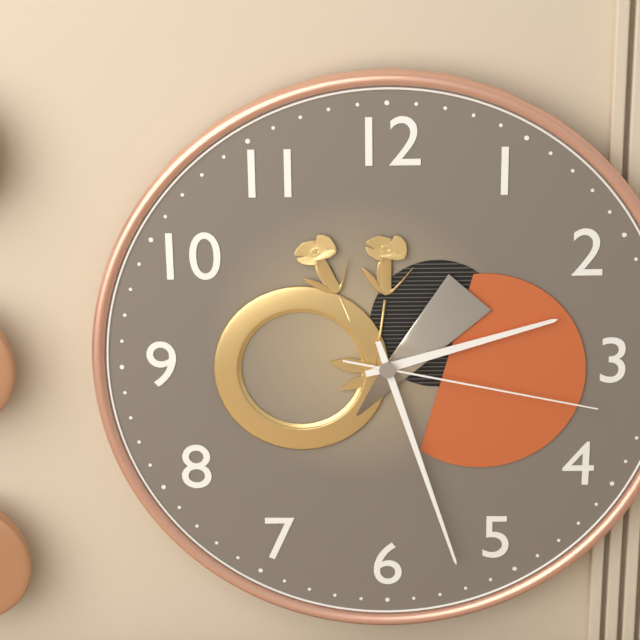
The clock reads 2.27.17
